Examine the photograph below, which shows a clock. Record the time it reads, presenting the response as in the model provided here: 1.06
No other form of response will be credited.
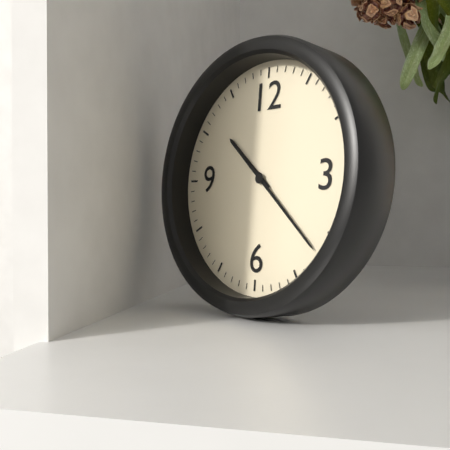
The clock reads 10.22
